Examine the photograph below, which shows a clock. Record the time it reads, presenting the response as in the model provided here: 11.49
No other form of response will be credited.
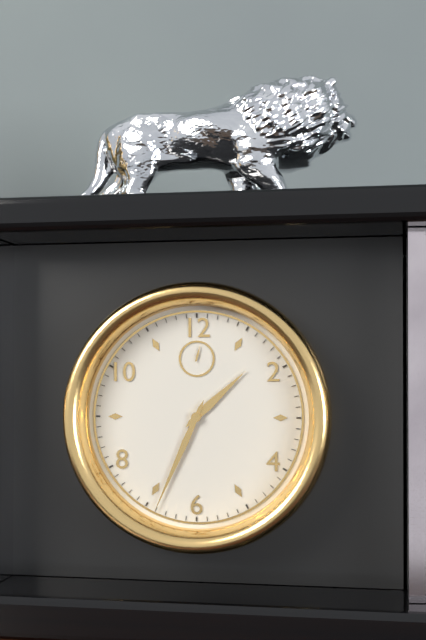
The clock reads 1.34
